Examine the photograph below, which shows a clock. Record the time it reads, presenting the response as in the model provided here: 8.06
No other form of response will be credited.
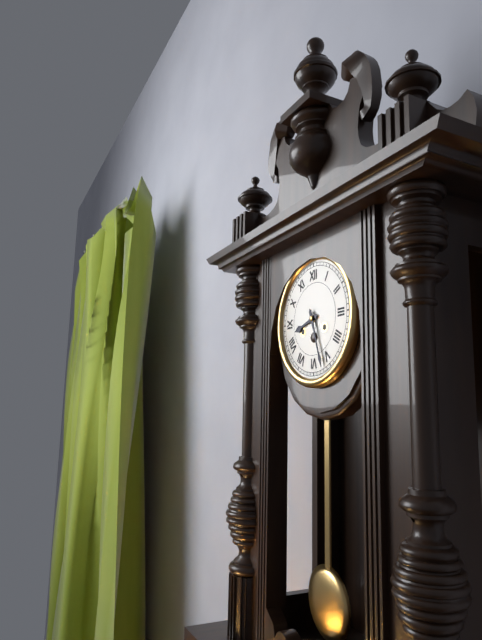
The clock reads 8.27
